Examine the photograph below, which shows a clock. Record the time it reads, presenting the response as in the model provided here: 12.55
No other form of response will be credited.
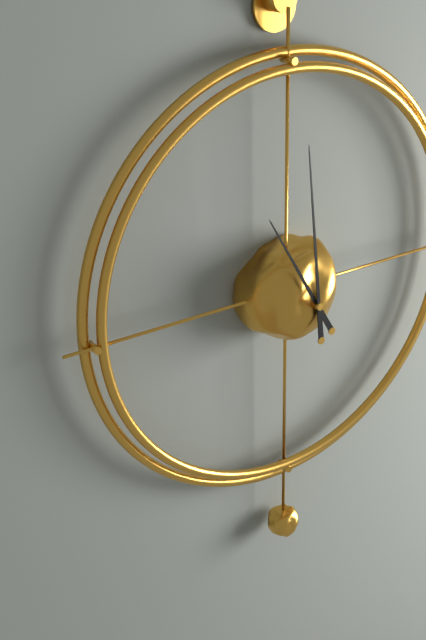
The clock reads 10.59
